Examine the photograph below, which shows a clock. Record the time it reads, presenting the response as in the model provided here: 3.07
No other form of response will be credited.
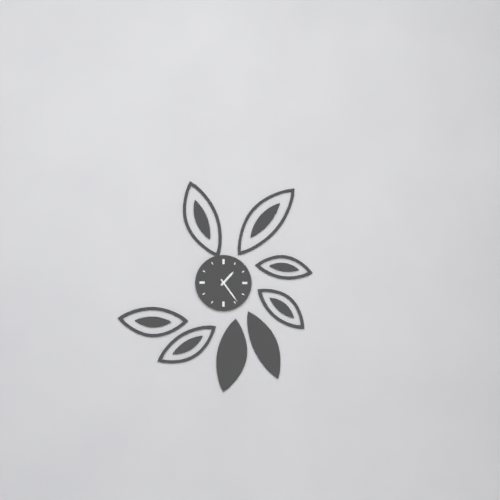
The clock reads 1.24
